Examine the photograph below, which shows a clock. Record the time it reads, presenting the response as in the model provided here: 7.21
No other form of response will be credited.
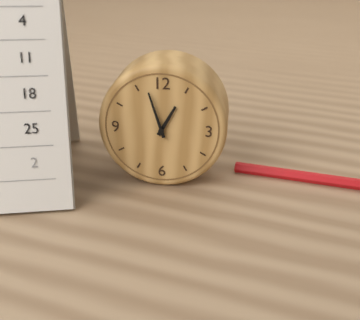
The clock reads 12.57
